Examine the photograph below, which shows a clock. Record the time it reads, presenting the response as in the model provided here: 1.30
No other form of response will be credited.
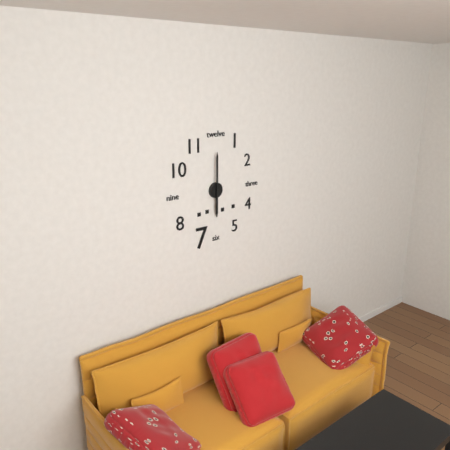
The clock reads 6.00
